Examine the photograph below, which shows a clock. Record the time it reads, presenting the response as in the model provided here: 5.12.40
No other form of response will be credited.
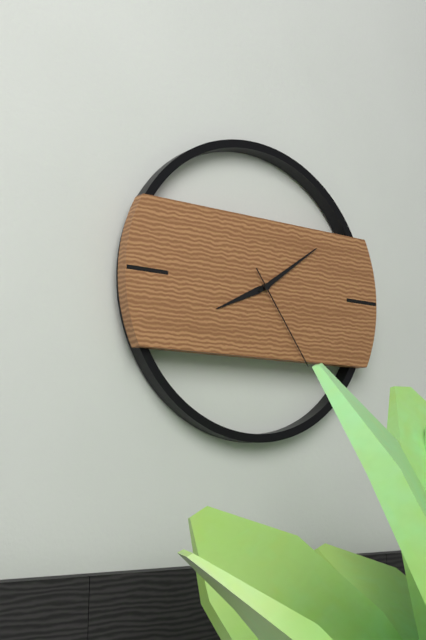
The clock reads 8.09.24
